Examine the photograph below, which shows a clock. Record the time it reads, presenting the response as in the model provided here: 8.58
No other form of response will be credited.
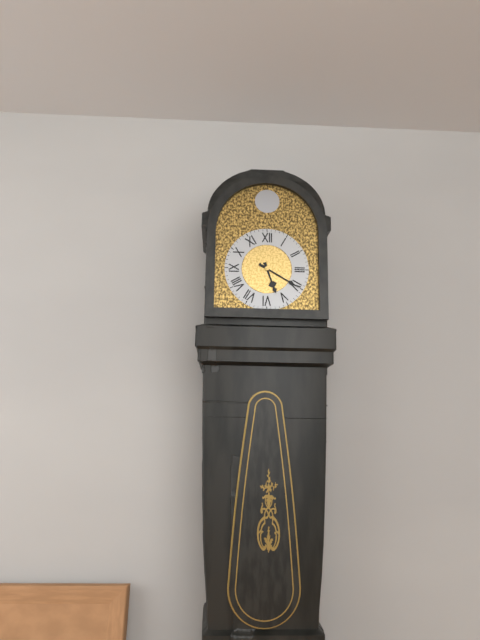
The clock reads 5.20
